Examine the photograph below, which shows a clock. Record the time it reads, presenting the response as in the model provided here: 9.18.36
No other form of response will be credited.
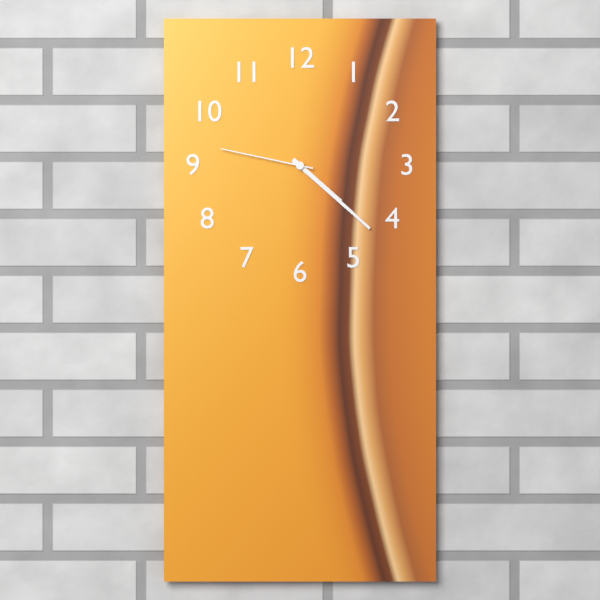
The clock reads 4.22.47
